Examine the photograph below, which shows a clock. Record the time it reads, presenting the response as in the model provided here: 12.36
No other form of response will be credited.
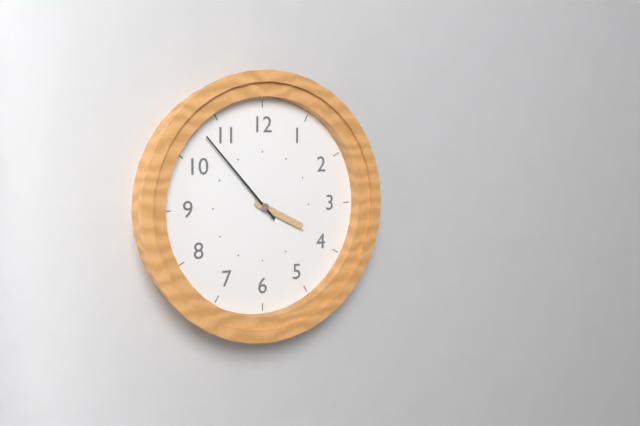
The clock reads 3.53
